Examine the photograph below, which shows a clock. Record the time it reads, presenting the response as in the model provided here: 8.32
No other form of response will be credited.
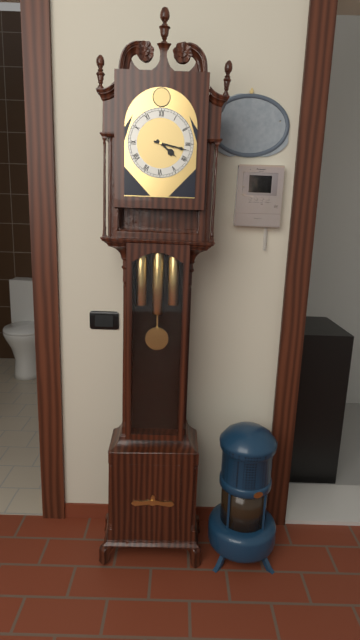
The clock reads 4.17
